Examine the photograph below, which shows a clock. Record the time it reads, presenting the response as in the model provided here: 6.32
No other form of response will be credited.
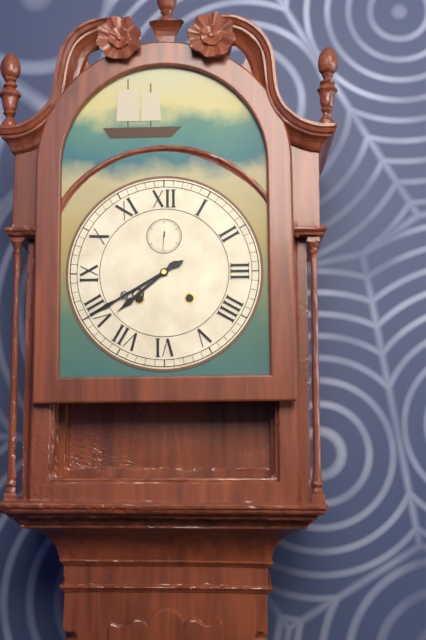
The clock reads 7.40
